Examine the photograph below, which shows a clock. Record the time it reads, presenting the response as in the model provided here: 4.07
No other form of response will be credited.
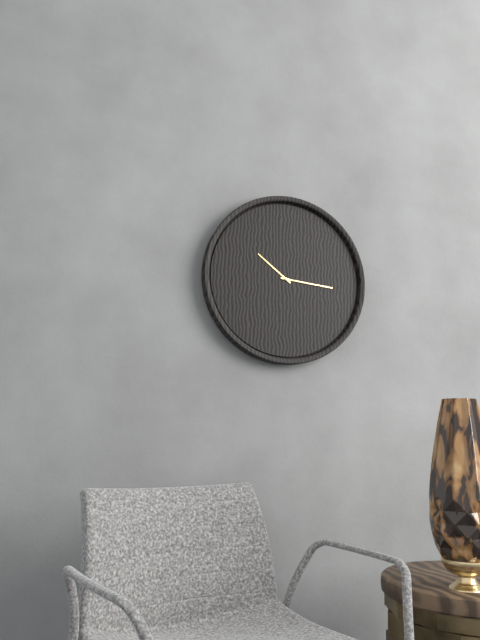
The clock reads 10.16
